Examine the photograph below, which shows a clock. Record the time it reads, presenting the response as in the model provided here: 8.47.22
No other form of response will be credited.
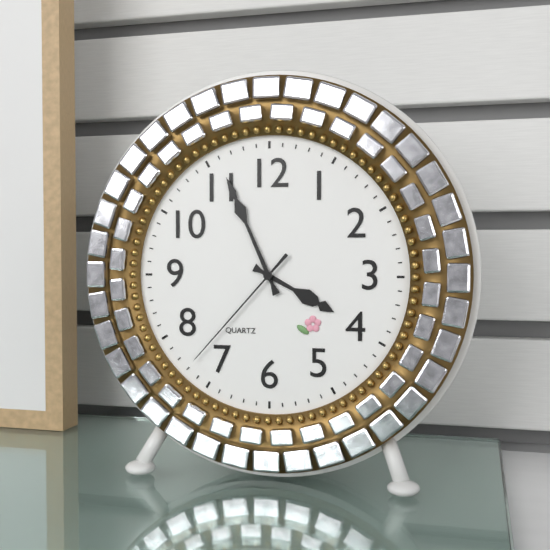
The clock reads 3.56.37
